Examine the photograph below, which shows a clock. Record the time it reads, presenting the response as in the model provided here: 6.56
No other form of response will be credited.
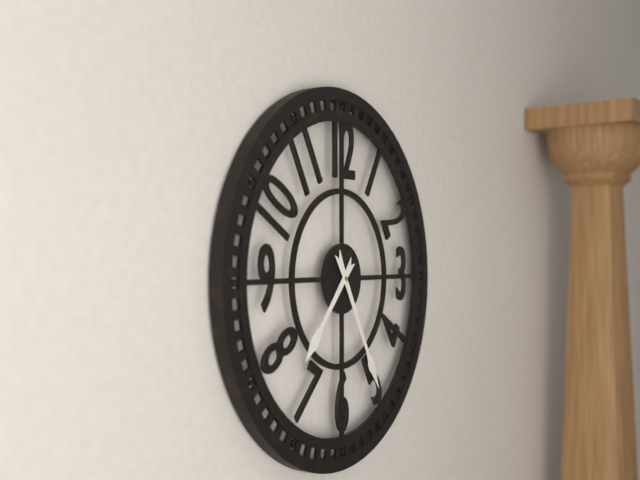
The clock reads 7.25
